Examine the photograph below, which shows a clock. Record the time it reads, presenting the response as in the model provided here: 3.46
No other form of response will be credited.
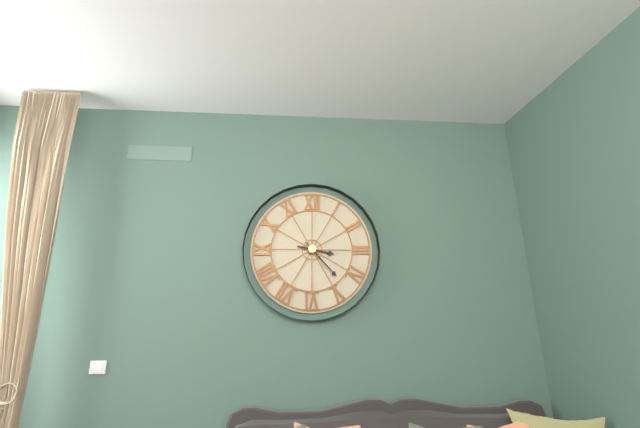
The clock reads 3.23
